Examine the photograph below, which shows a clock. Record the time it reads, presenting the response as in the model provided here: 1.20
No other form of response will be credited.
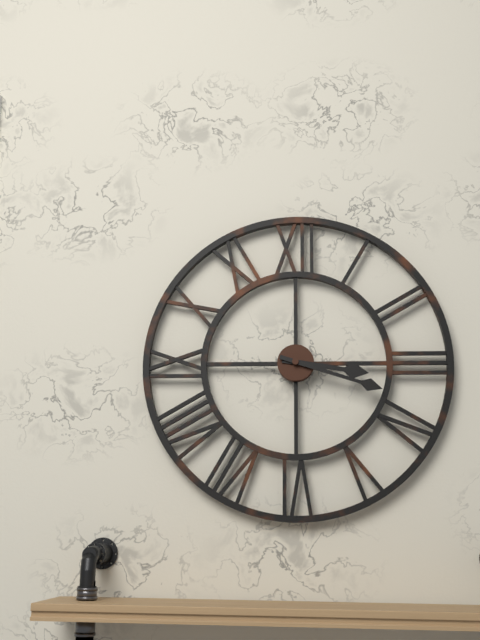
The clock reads 3.18
